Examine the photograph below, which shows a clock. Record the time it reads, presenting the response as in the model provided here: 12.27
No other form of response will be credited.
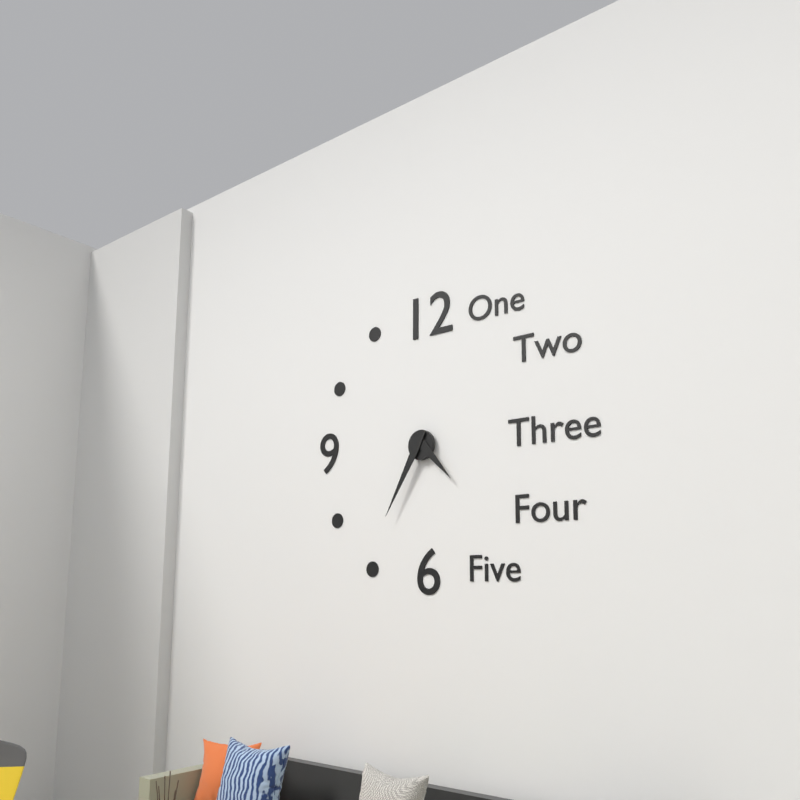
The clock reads 4.35
